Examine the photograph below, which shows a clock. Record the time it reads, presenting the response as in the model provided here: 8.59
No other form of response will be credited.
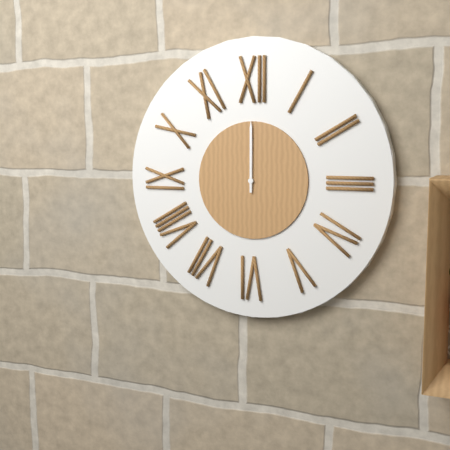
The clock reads 12.00
